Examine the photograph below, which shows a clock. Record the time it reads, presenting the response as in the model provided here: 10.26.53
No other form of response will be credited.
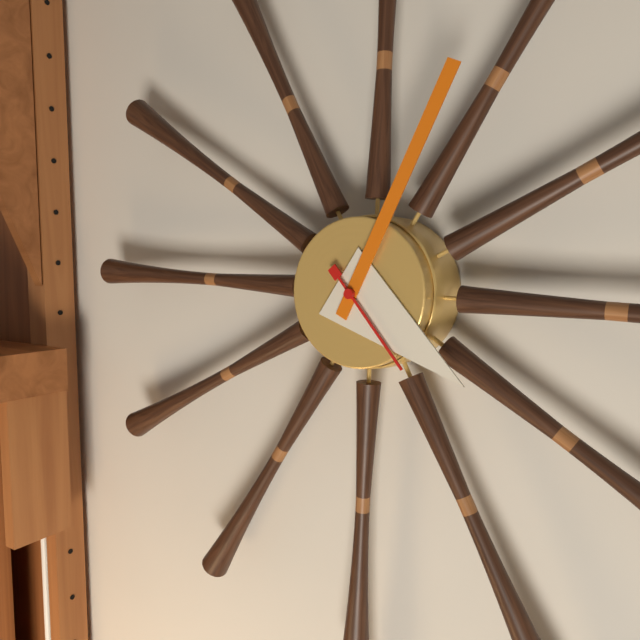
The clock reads 4.04.23
